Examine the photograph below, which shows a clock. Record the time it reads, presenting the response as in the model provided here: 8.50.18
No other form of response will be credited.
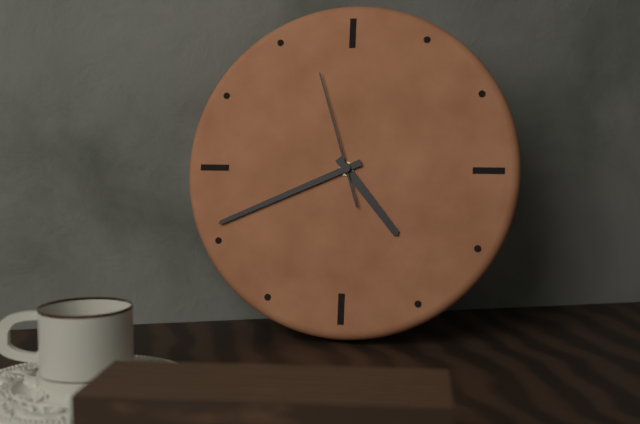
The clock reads 4.41.57
